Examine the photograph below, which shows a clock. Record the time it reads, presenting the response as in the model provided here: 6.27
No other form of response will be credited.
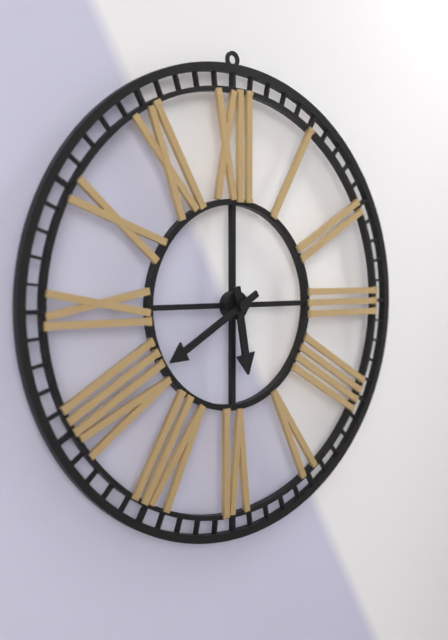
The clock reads 5.40
